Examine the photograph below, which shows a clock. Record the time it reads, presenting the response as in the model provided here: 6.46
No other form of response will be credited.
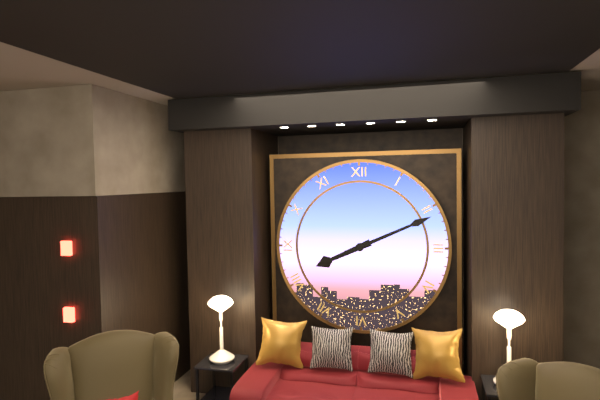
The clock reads 8.11
